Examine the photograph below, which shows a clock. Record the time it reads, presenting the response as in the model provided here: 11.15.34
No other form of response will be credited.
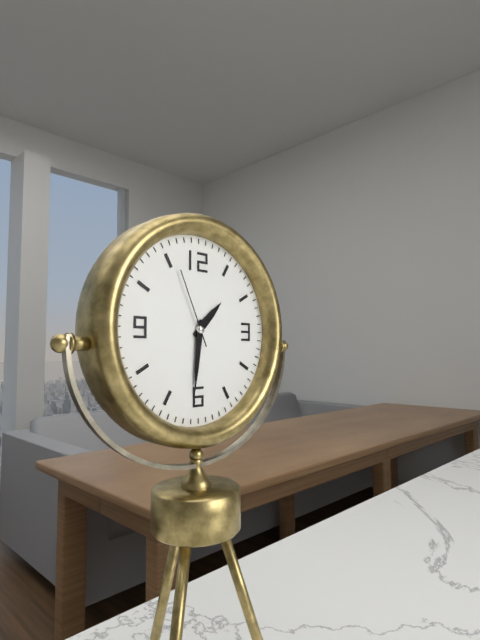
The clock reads 1.31.56
